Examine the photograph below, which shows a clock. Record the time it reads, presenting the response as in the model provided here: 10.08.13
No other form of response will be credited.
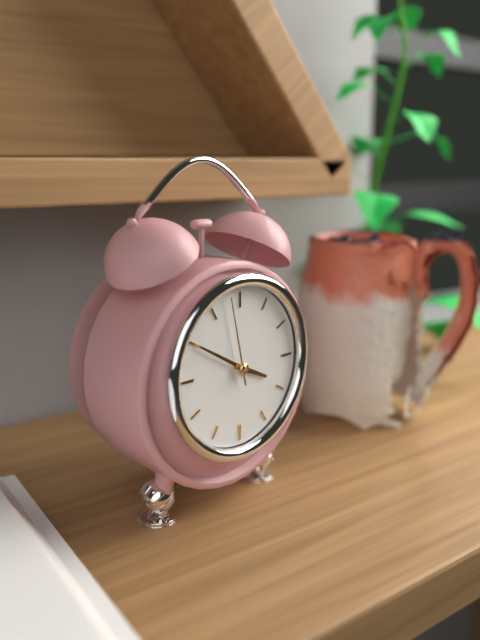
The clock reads 3.50.58
